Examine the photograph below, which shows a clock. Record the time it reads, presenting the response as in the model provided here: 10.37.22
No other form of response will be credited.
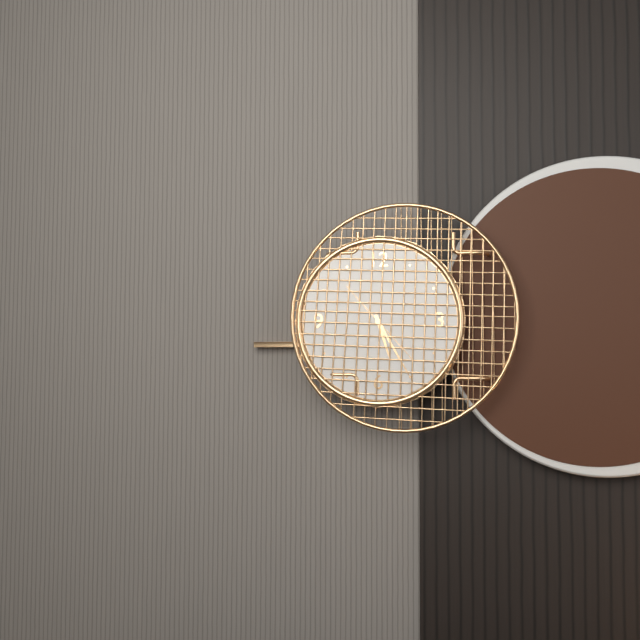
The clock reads 5.25.23
